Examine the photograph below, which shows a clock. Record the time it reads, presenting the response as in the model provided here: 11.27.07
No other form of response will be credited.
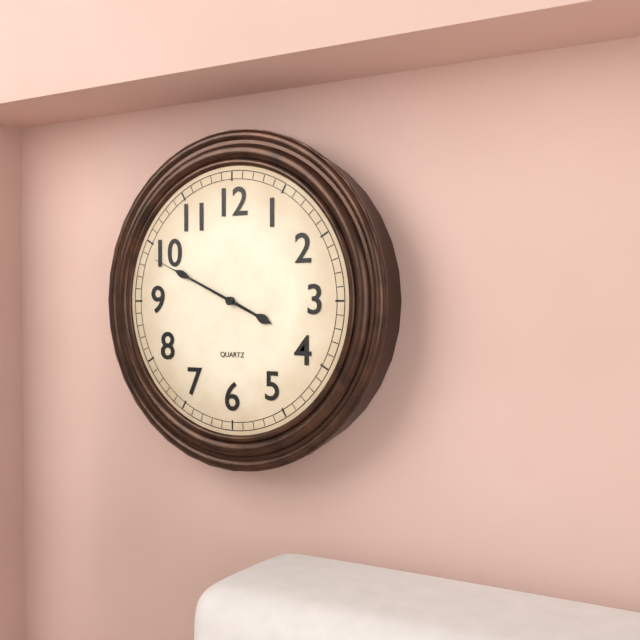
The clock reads 3.49.49
